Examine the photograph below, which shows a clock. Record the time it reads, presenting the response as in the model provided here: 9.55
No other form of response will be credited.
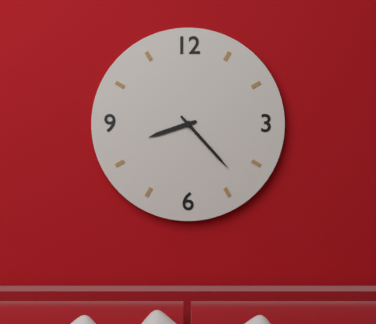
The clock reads 8.23
